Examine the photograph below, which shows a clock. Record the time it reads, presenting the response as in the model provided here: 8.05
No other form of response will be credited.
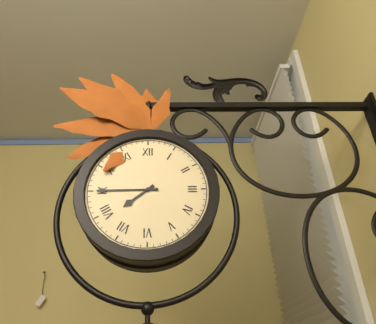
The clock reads 7.45
